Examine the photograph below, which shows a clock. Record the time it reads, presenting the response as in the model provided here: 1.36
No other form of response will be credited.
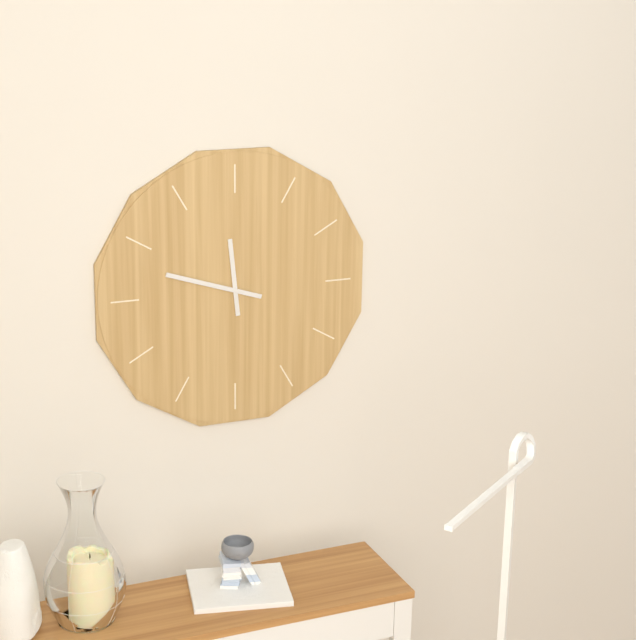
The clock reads 11.48
